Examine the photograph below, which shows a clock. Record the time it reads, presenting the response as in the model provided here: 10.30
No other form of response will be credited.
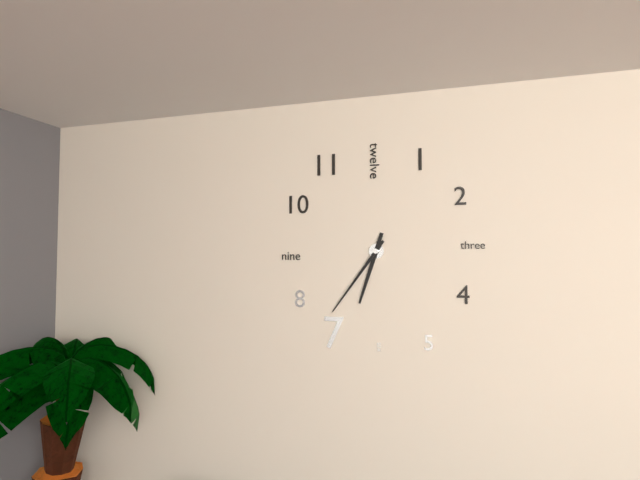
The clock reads 6.36
